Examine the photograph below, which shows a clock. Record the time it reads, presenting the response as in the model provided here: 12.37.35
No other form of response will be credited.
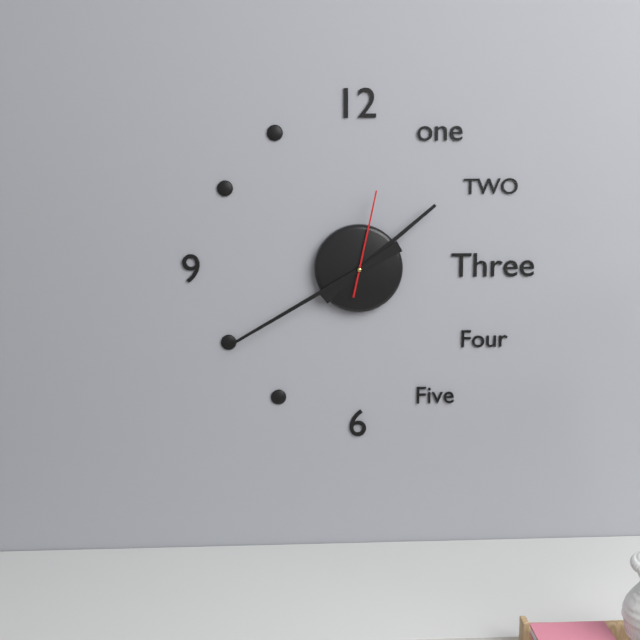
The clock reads 1.40.02
